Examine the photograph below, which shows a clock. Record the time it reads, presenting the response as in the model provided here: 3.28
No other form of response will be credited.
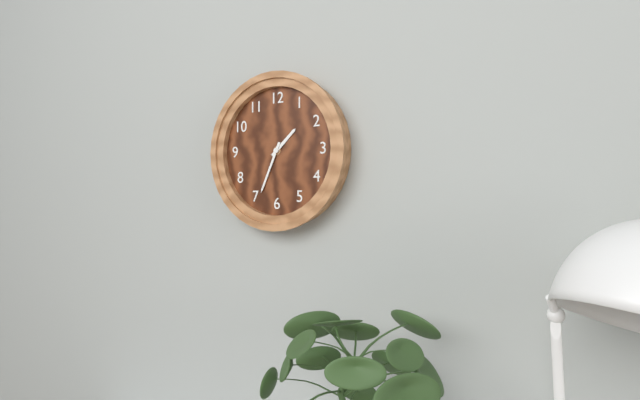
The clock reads 1.34
